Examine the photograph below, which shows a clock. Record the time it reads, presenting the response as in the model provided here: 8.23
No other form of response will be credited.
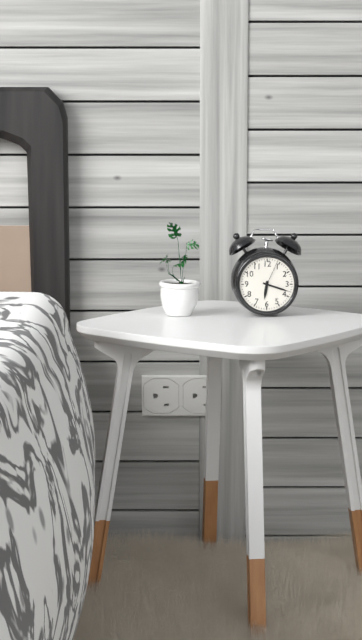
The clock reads 6.18
